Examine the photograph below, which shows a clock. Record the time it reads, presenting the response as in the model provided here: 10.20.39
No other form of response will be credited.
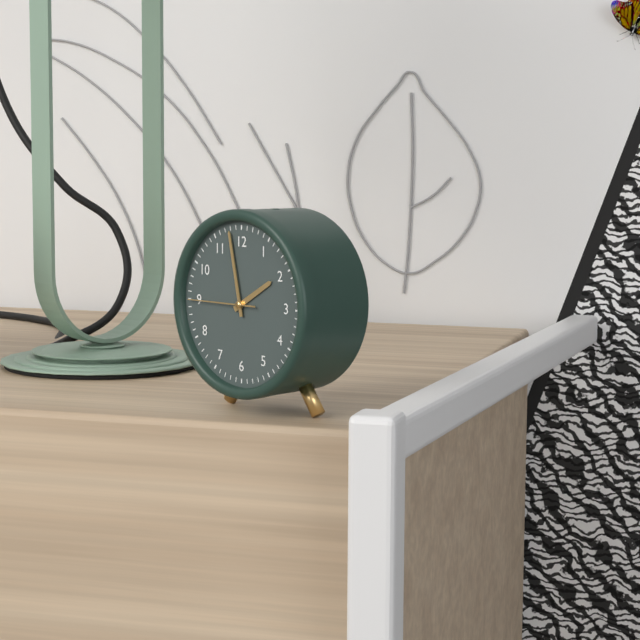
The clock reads 1.58.45
